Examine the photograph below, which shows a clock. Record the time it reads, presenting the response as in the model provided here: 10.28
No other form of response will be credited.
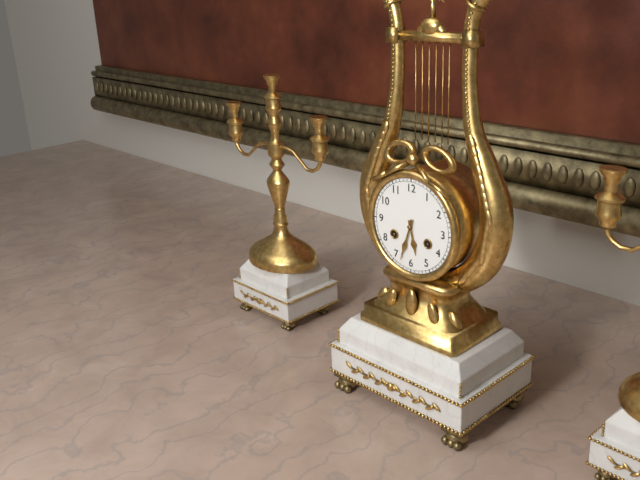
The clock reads 5.33
